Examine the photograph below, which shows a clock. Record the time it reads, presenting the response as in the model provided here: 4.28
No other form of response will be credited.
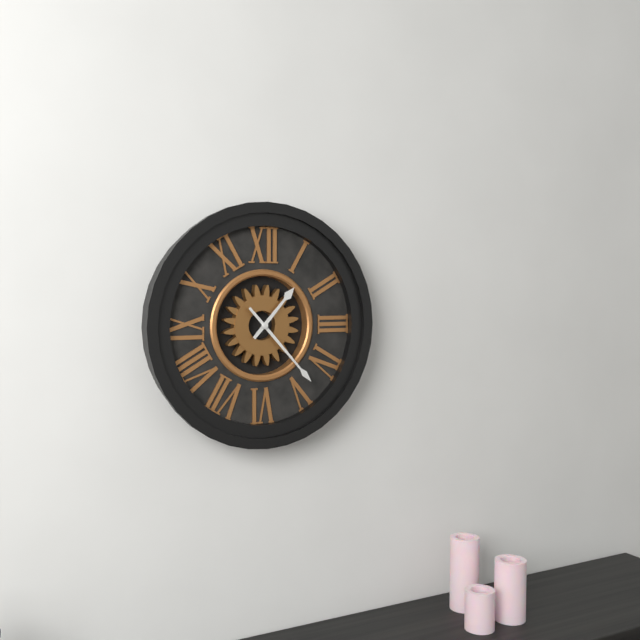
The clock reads 1.23
